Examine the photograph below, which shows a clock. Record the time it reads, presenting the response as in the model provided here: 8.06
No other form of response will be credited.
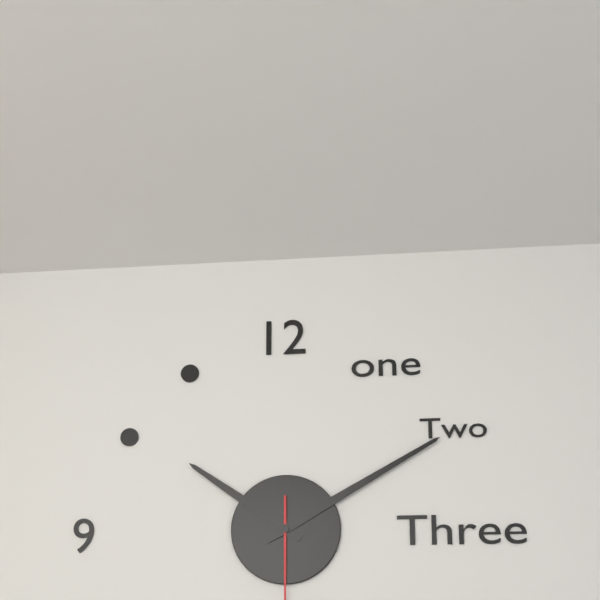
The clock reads 10.10
